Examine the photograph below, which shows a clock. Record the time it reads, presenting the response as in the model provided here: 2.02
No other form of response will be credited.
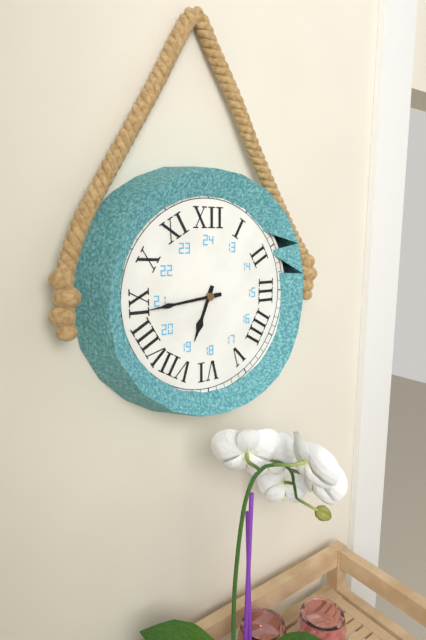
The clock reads 6.44
